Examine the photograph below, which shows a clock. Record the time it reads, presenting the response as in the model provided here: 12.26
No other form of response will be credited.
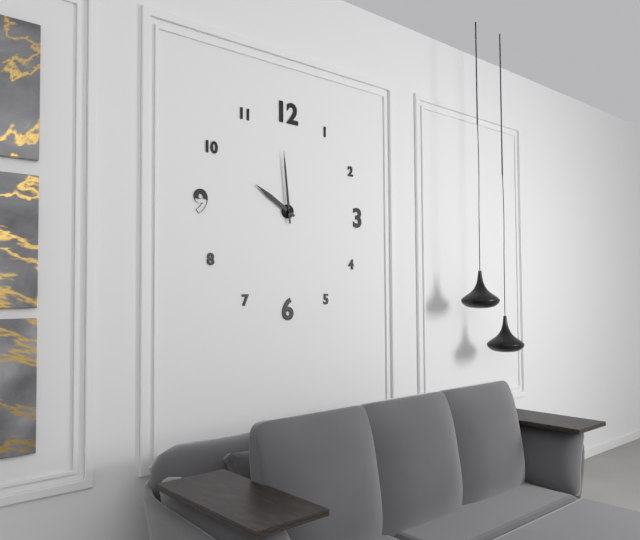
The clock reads 9.59
